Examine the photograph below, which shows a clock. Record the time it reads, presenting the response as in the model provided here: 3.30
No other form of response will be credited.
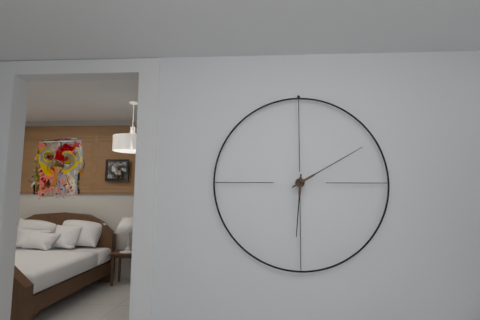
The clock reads 6.10
